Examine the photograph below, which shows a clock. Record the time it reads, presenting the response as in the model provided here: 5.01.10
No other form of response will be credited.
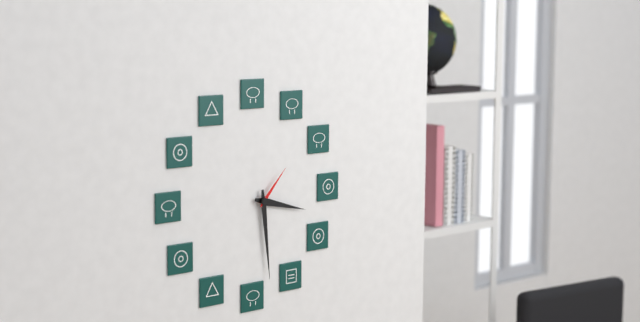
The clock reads 3.29.07
